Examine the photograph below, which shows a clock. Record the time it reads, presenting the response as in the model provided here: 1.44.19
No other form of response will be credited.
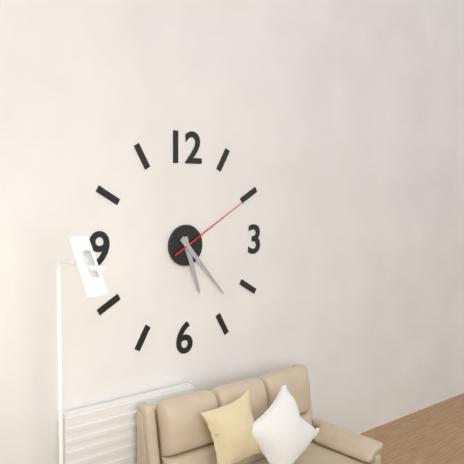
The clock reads 5.23.10
